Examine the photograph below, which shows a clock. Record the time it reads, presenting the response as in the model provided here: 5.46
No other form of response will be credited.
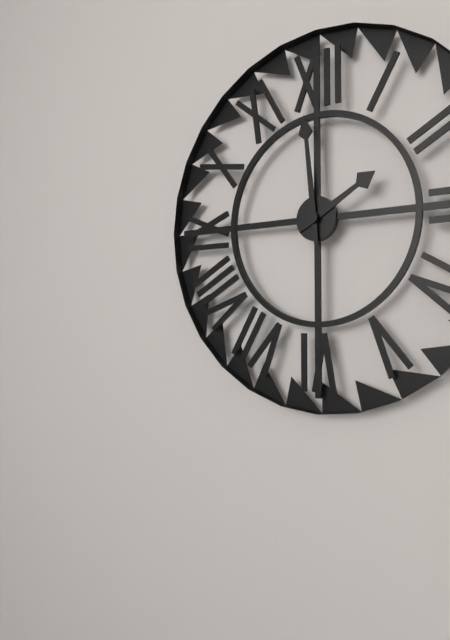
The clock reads 1.59
